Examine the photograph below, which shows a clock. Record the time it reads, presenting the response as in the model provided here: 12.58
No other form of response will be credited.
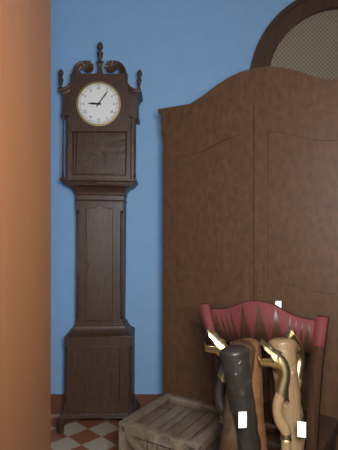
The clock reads 9.06
